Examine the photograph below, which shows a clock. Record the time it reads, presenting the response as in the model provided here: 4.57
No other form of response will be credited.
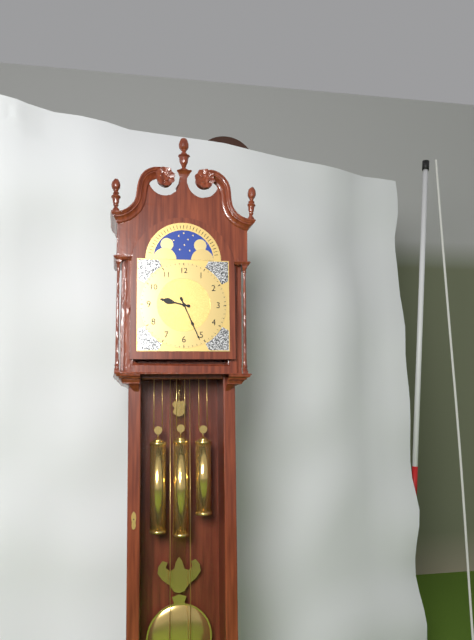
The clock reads 9.26
